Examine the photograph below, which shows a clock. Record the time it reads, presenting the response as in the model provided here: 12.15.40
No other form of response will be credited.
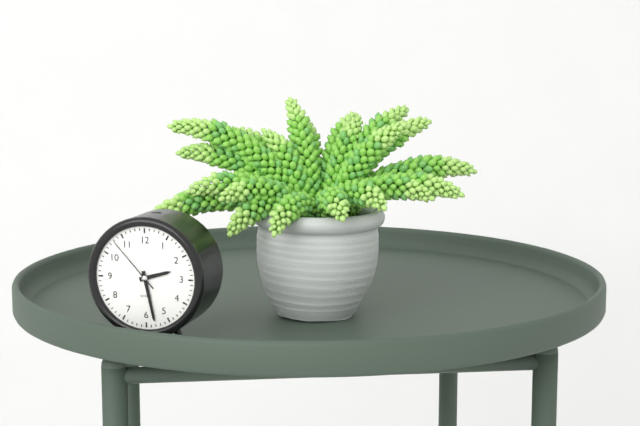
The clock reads 2.28.53
